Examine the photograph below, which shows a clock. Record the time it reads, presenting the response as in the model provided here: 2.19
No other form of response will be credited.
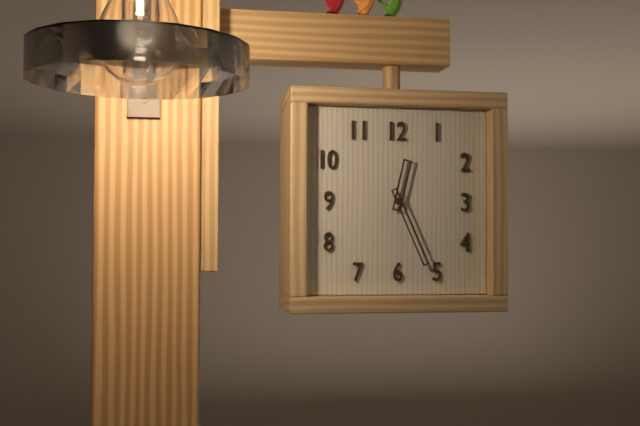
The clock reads 12.26
